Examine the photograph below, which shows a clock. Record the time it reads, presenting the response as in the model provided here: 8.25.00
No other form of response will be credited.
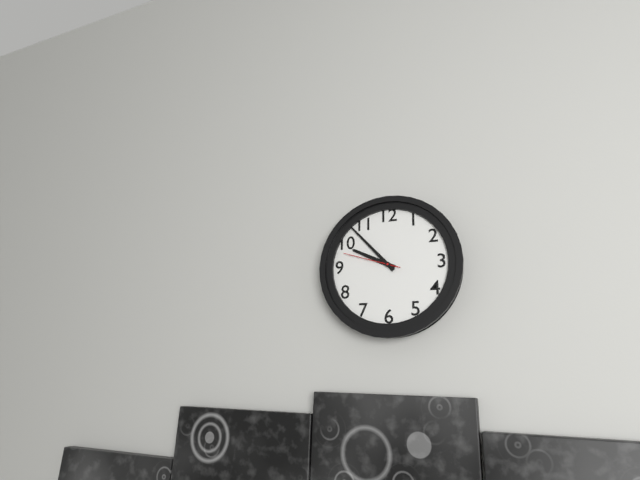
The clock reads 9.53.48
